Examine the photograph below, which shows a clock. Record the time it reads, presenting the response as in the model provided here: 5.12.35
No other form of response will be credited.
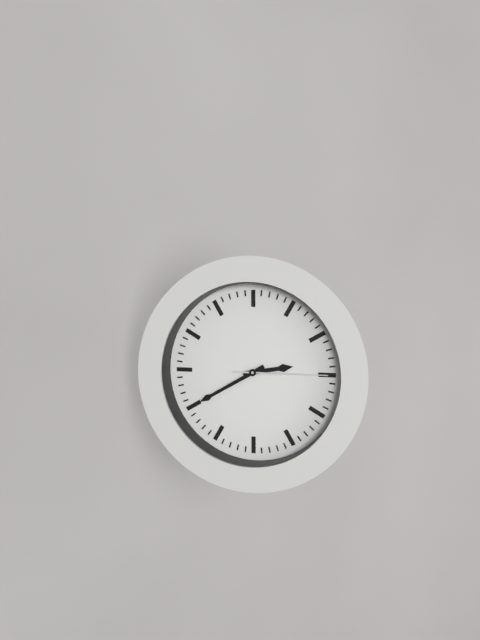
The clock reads 2.40.15
